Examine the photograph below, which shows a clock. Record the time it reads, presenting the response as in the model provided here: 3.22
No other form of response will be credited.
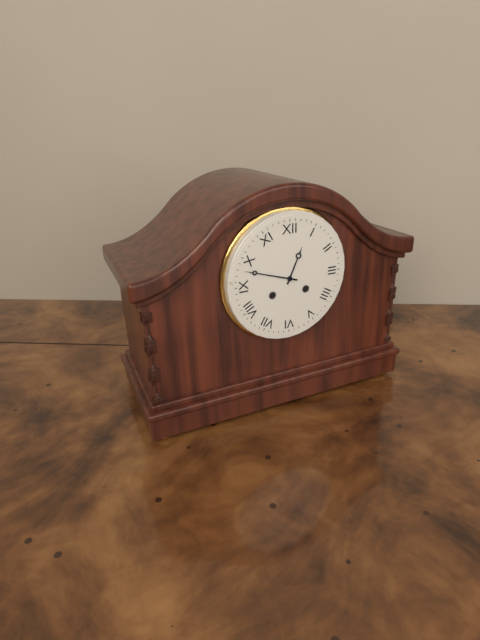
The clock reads 12.48
